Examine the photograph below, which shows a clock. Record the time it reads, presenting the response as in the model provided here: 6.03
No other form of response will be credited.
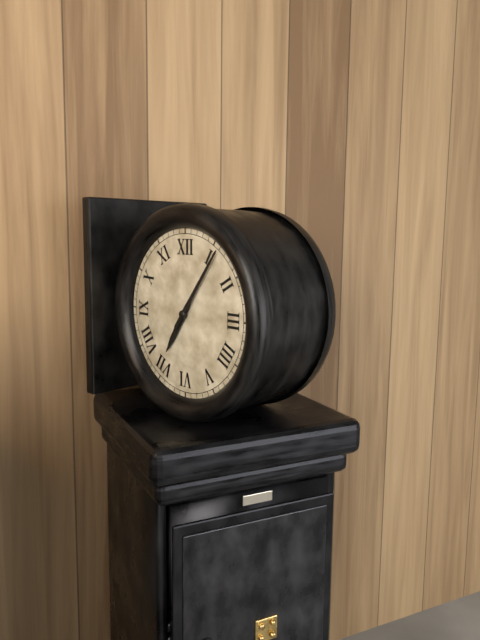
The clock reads 7.06
